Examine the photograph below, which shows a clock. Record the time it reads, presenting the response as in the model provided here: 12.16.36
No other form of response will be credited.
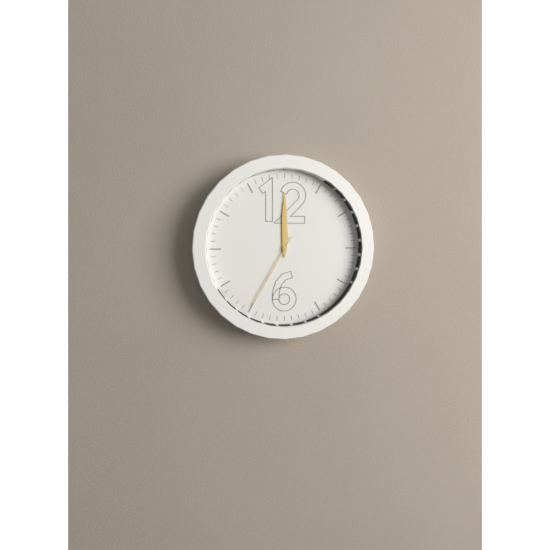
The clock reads 12.00.35
